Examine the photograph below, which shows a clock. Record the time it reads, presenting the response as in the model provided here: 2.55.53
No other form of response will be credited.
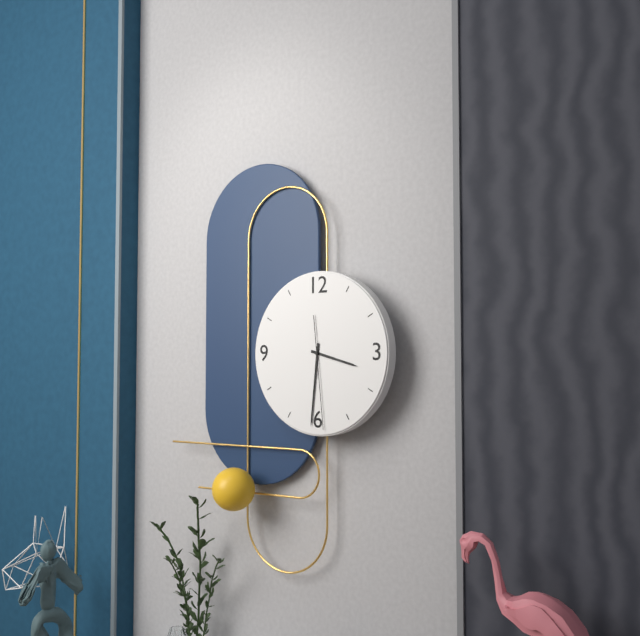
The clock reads 3.31.29
